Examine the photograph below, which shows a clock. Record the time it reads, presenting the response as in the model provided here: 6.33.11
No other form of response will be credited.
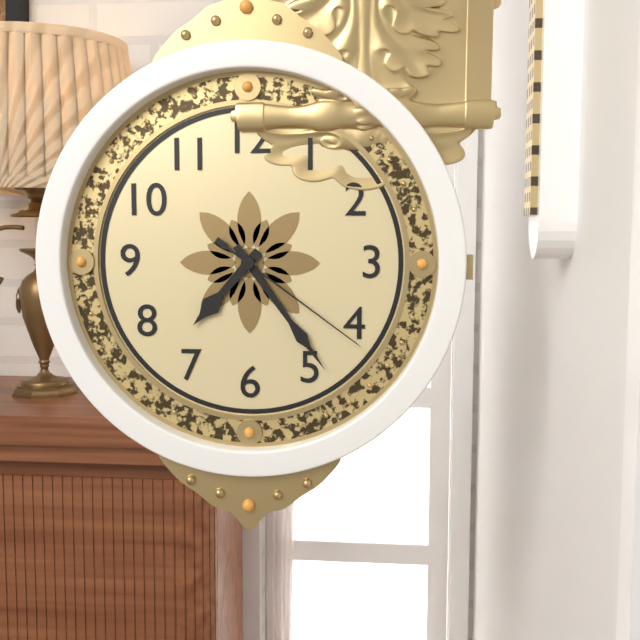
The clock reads 7.24.21
